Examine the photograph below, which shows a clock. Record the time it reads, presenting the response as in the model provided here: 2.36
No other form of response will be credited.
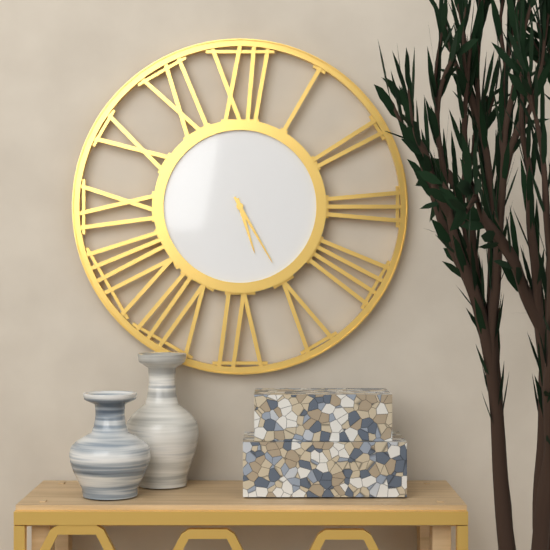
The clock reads 5.25
